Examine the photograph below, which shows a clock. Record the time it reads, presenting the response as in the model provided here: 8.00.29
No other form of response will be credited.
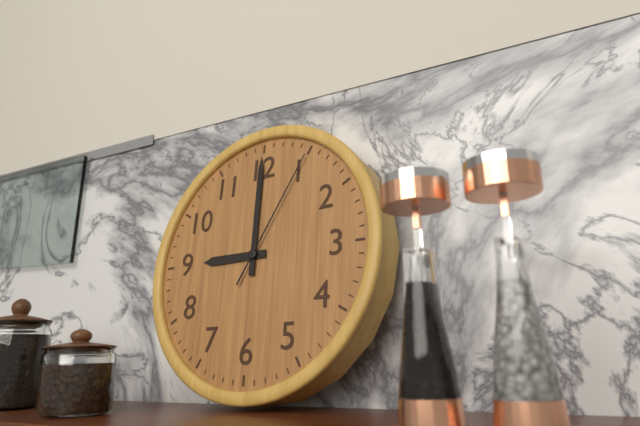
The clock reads 9.00.05
